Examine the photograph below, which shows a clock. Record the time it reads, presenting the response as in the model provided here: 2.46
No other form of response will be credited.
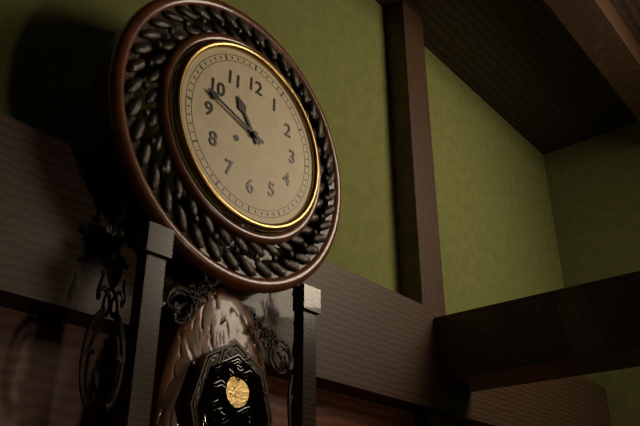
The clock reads 10.48
